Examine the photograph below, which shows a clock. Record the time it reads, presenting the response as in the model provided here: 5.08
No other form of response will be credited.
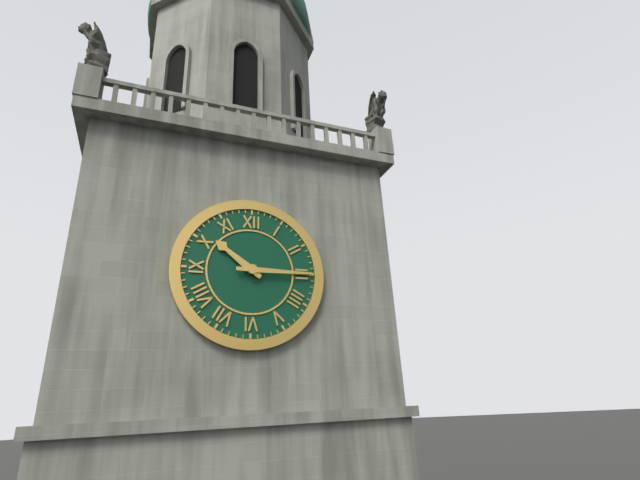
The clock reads 10.15
